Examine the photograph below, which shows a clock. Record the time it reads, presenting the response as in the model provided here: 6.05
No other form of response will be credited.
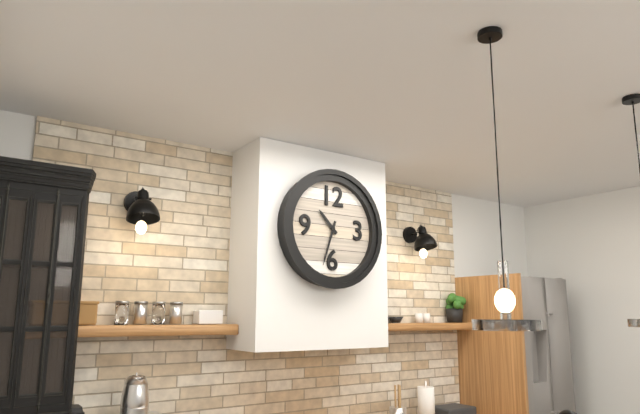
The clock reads 10.33
